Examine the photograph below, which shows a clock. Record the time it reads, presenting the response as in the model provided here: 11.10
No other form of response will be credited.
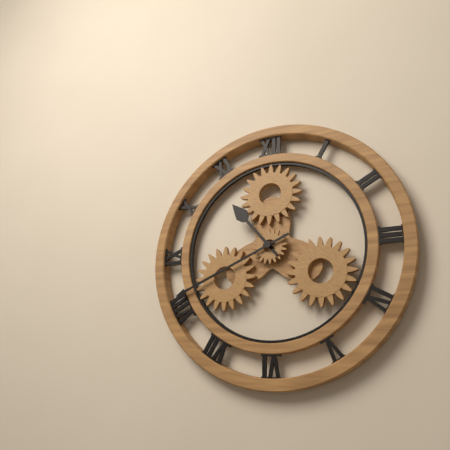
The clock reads 10.41
